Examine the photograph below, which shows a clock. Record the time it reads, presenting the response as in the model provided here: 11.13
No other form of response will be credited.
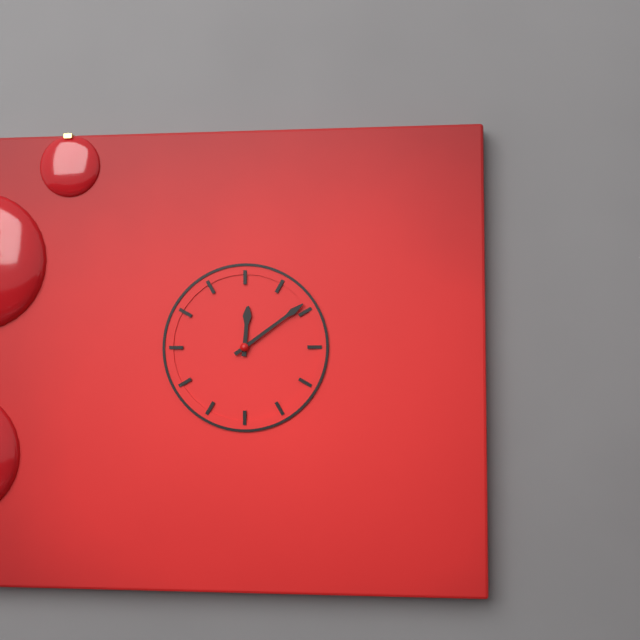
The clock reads 12.09
